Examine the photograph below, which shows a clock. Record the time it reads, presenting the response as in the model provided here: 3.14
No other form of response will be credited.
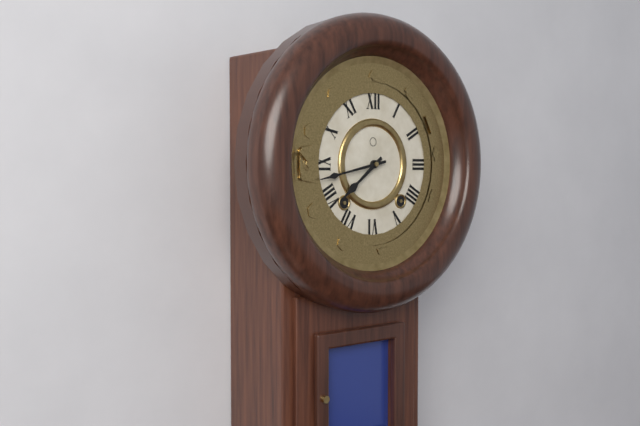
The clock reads 7.43
